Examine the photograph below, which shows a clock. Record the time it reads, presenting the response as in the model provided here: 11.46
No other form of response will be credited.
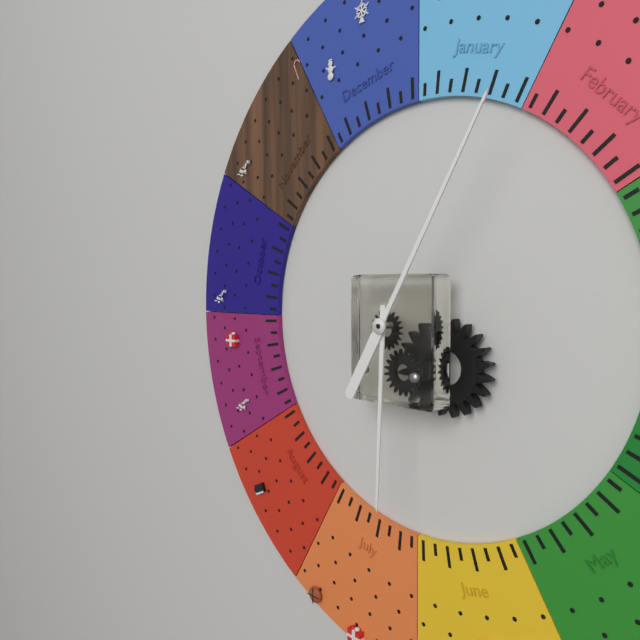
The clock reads 6.05
